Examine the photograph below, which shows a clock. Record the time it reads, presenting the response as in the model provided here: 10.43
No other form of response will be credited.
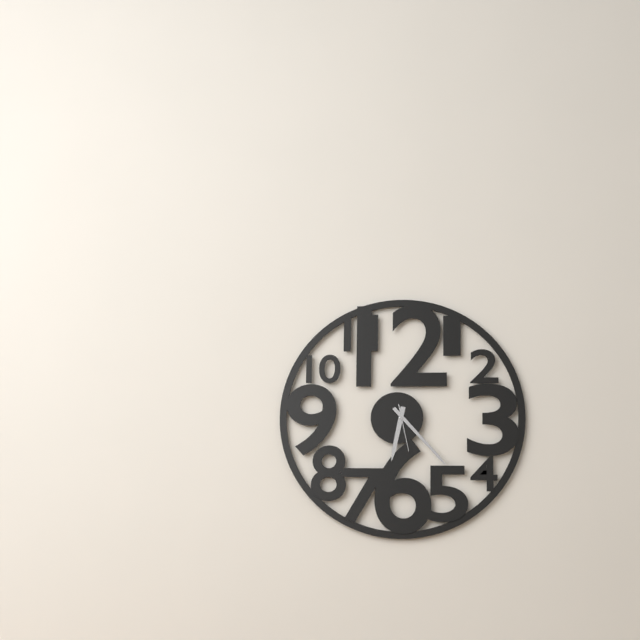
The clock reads 6.23
